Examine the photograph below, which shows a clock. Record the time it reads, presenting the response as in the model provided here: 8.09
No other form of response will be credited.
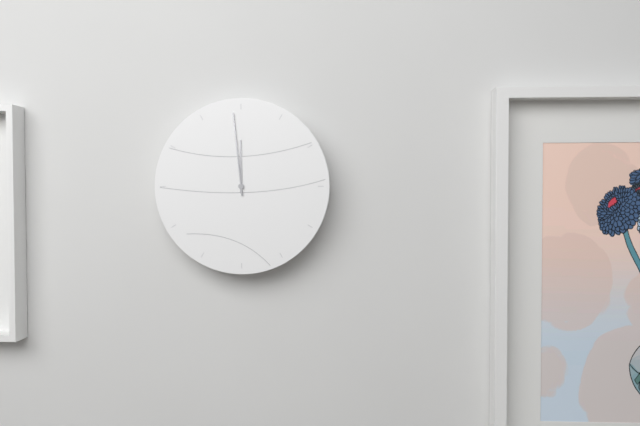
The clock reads 11.59
